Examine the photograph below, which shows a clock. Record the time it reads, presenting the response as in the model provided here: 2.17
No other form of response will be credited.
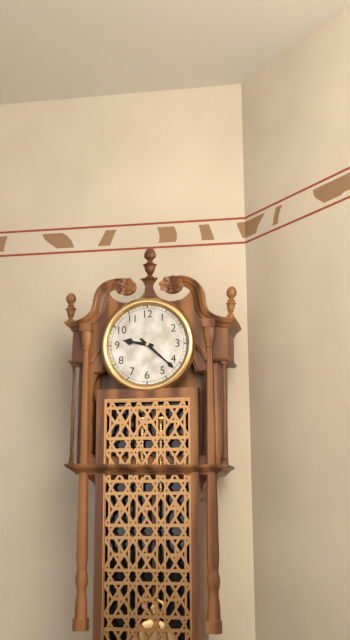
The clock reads 9.22
